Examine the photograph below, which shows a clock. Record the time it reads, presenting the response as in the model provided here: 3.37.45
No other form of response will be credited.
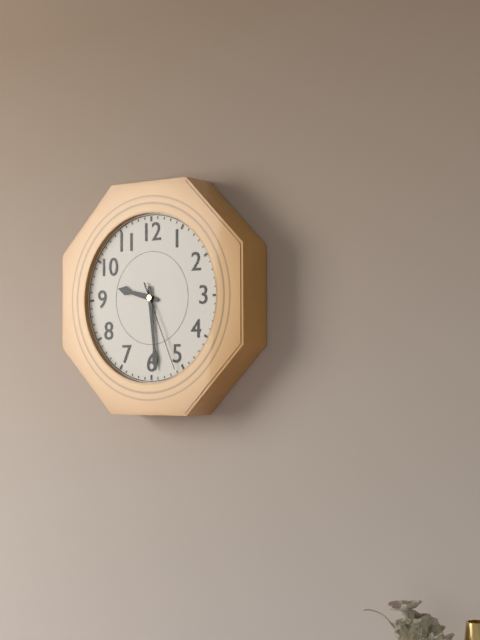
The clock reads 9.29.26
